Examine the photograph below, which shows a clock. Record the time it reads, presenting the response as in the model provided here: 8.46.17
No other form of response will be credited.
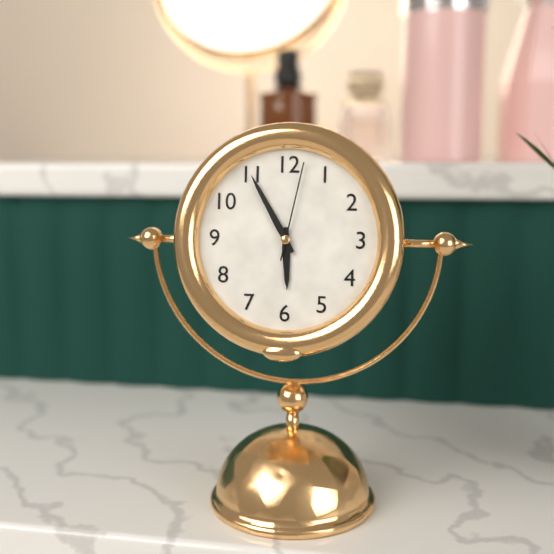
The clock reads 5.55.02
